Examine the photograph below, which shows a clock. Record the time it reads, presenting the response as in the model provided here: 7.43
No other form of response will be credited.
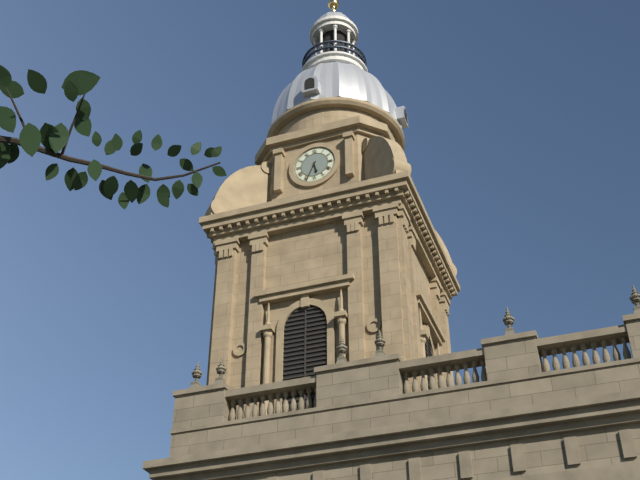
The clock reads 5.34
